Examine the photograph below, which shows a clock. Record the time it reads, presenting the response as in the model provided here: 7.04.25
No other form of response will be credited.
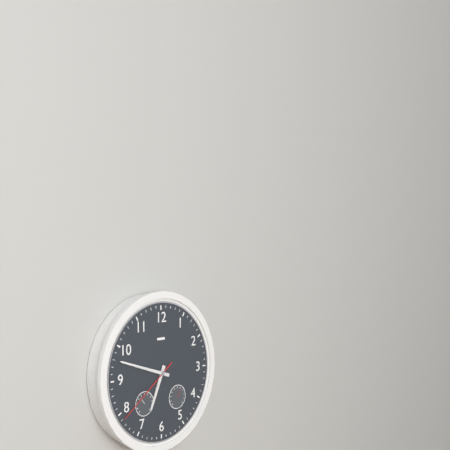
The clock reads 6.48.39
